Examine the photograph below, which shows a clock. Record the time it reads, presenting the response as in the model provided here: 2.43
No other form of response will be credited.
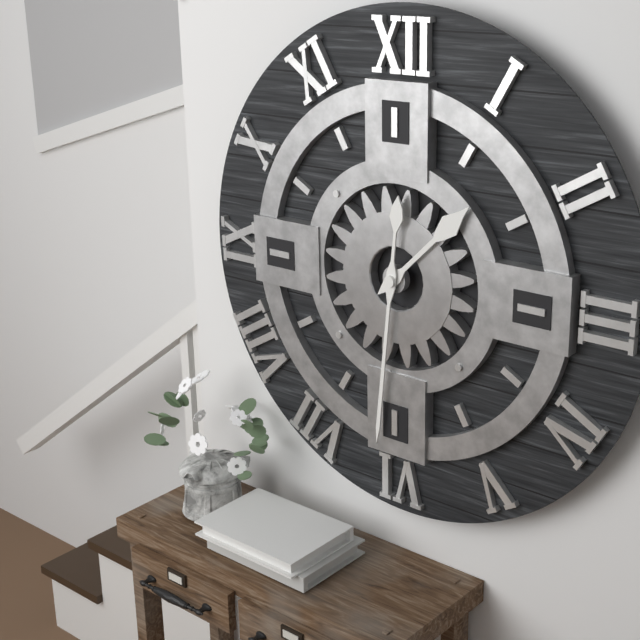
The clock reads 1.31
